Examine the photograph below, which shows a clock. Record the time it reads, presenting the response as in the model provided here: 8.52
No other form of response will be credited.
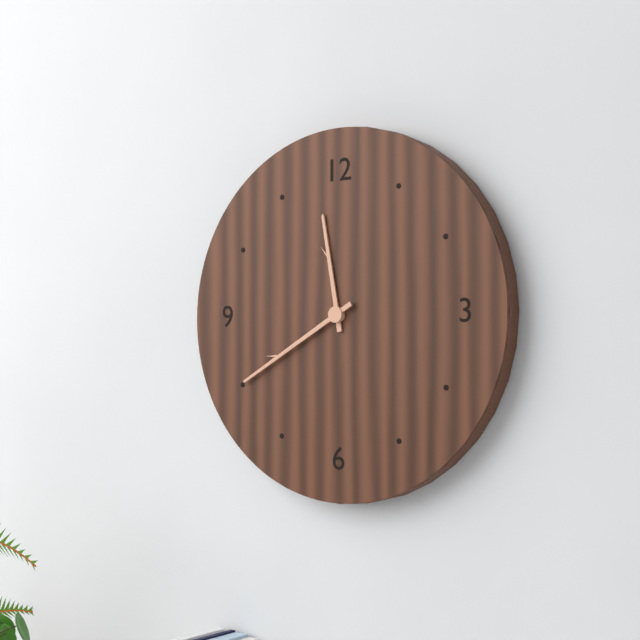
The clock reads 11.40
